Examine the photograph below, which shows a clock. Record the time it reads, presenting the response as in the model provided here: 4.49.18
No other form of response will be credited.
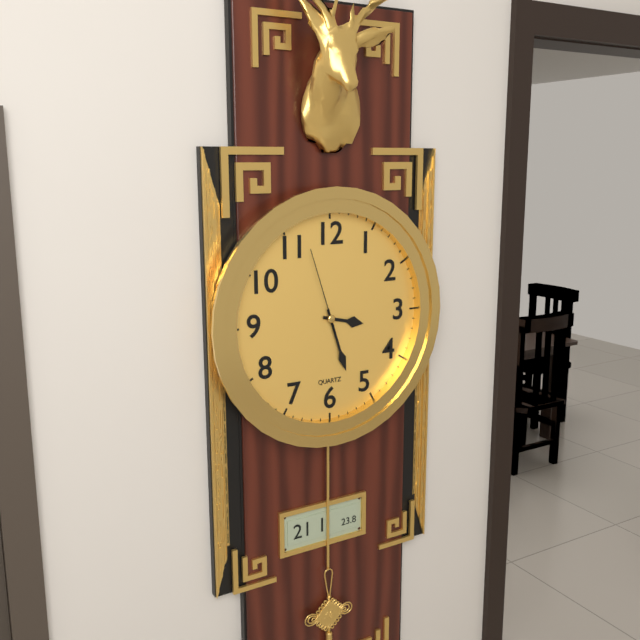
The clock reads 3.27.57
